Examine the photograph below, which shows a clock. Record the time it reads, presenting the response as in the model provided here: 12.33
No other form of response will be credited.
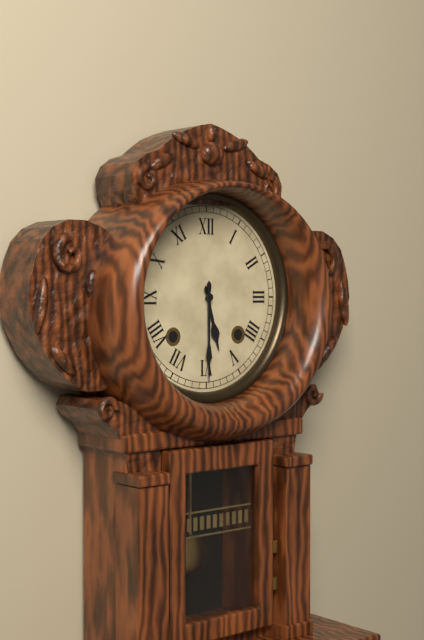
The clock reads 5.30
